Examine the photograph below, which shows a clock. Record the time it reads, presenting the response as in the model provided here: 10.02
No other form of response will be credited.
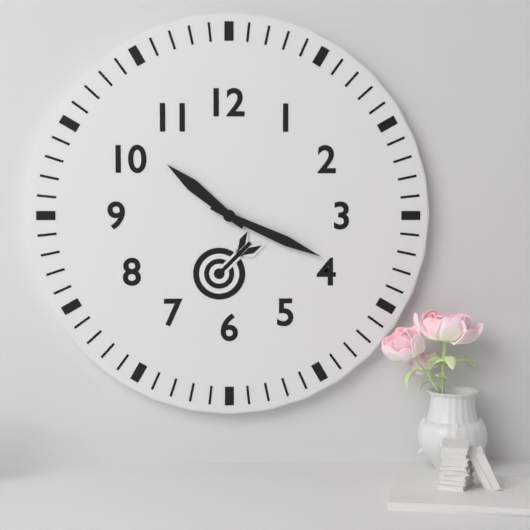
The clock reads 10.19
